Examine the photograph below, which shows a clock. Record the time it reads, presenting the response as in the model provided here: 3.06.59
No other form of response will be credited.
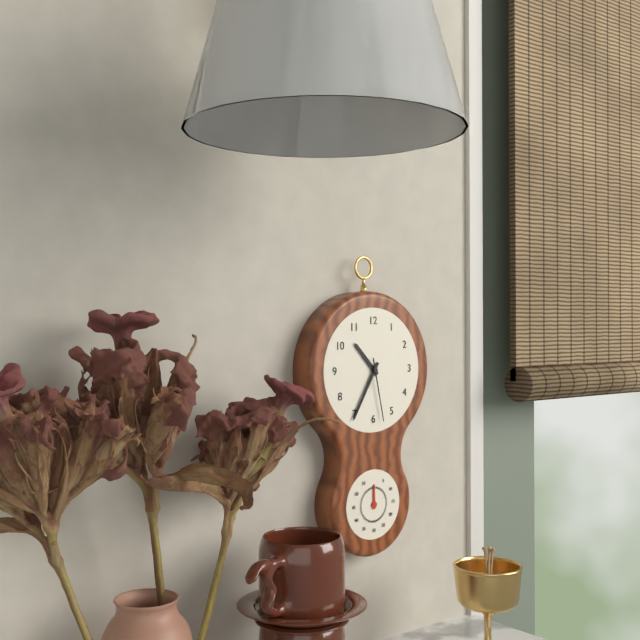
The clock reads 10.35.28
